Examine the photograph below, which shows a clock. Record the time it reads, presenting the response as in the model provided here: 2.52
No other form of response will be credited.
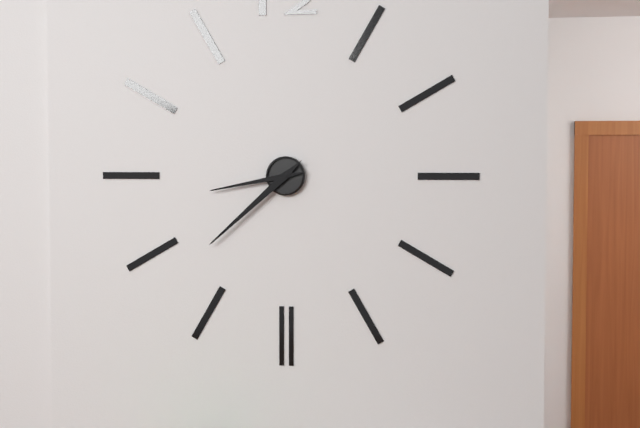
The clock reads 8.38
